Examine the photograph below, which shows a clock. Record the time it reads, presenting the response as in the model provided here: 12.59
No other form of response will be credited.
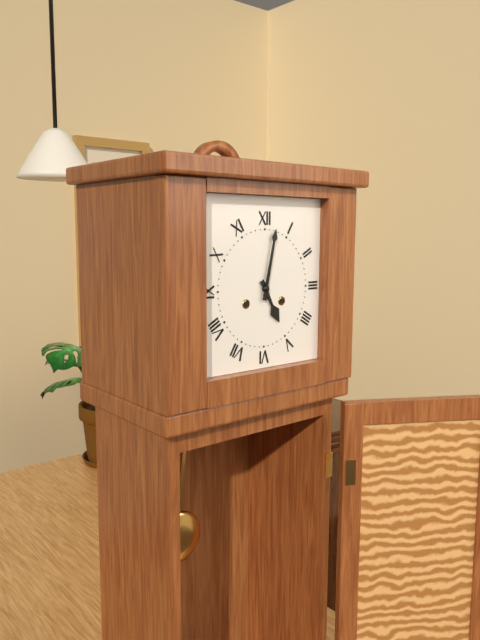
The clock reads 5.02
